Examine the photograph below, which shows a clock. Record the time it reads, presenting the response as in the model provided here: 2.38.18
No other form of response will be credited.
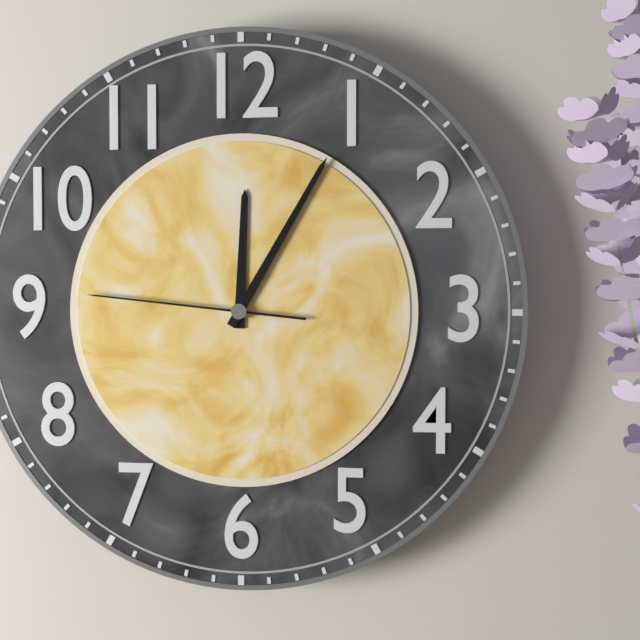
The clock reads 12.05.46
